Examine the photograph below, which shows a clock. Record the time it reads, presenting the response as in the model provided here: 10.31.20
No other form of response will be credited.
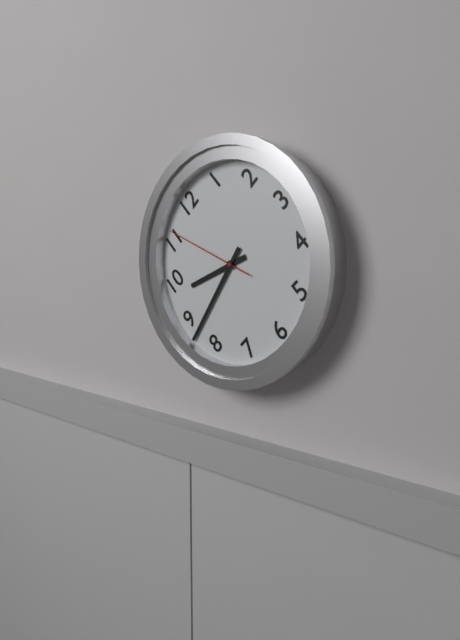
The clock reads 9.43.56
